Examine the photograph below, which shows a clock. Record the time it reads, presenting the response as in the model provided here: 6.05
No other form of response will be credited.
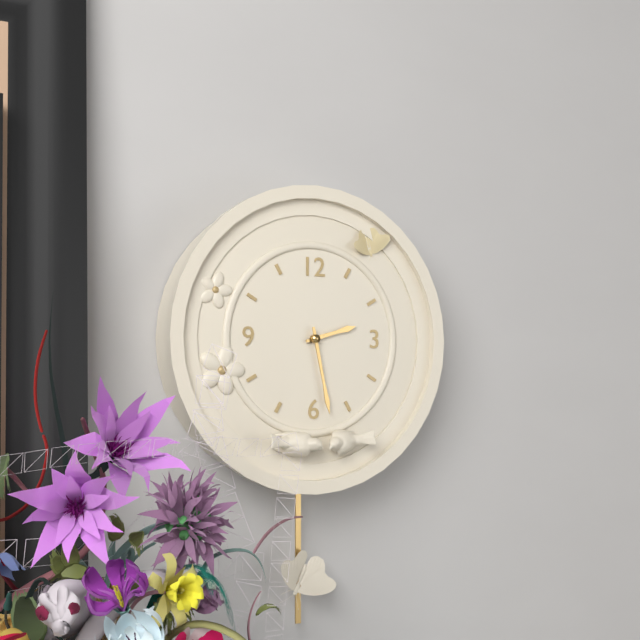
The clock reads 2.28
